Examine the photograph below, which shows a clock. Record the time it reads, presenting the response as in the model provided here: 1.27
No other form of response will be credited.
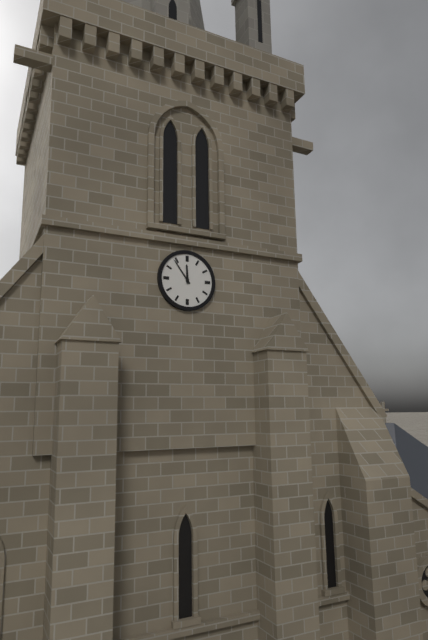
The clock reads 11.54
